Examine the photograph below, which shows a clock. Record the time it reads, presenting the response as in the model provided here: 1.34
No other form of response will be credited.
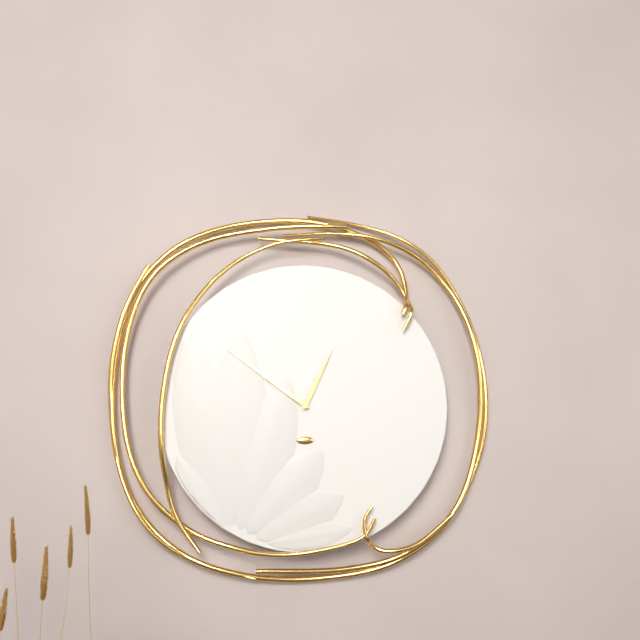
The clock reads 12.51
